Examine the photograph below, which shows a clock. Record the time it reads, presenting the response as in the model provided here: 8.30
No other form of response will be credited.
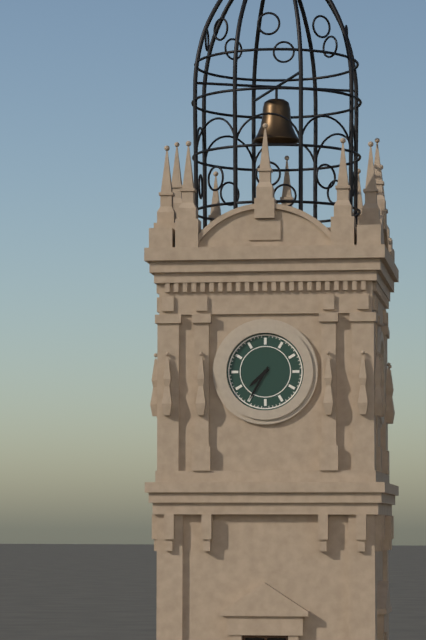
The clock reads 7.35
